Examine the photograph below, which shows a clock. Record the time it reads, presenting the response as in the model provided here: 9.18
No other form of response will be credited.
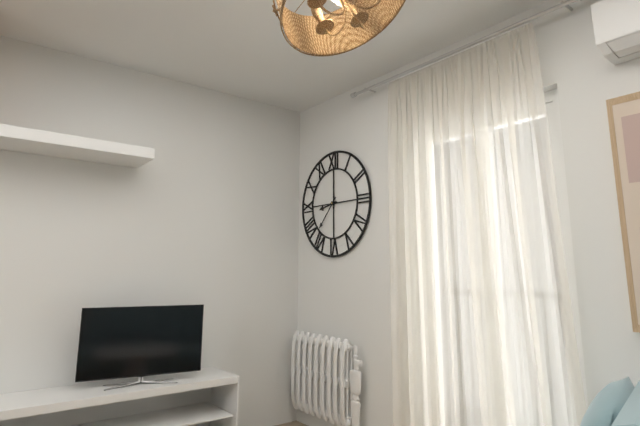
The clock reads 8.37
